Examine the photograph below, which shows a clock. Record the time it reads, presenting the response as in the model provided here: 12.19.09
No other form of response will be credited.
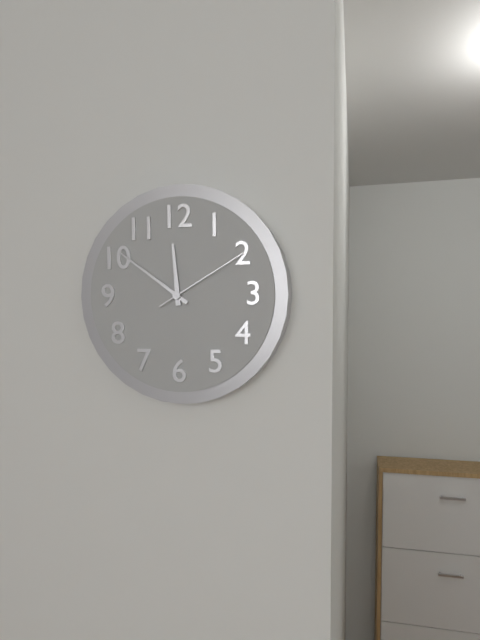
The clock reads 11.51.10
